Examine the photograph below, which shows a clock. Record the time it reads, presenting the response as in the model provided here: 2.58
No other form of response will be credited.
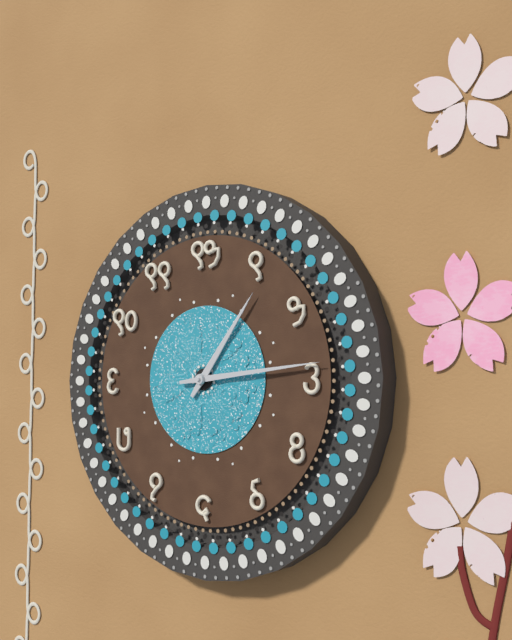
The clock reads 1.14
